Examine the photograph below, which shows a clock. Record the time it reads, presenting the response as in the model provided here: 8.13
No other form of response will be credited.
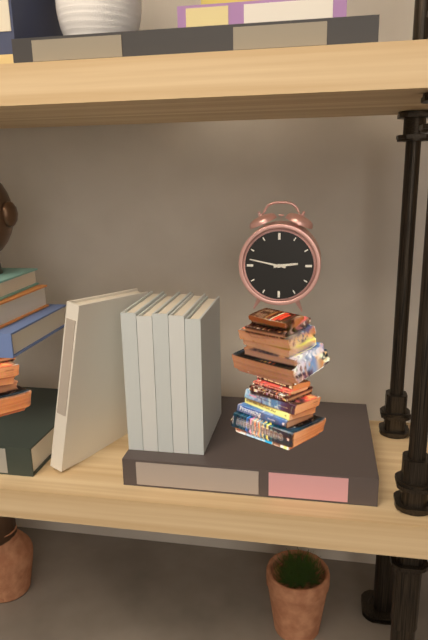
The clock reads 2.47
